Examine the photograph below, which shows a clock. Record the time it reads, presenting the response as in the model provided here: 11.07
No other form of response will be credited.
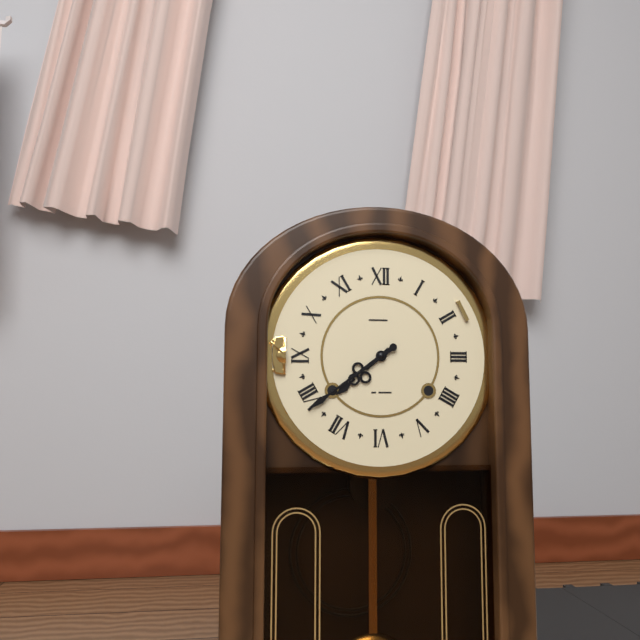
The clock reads 7.39
